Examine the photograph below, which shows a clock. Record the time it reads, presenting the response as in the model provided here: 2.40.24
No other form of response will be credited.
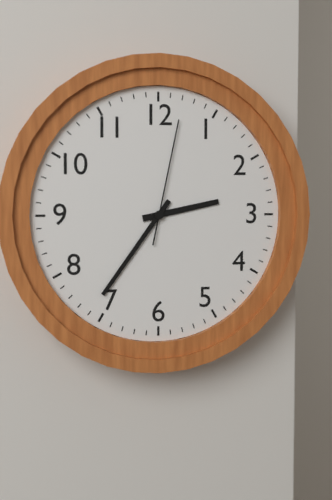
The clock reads 2.36.02
